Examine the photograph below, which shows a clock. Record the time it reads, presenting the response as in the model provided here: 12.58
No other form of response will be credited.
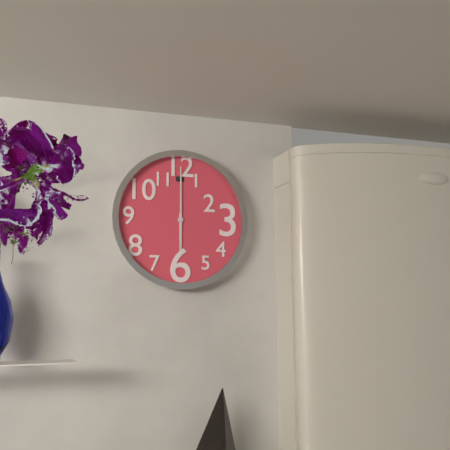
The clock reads 6.00
